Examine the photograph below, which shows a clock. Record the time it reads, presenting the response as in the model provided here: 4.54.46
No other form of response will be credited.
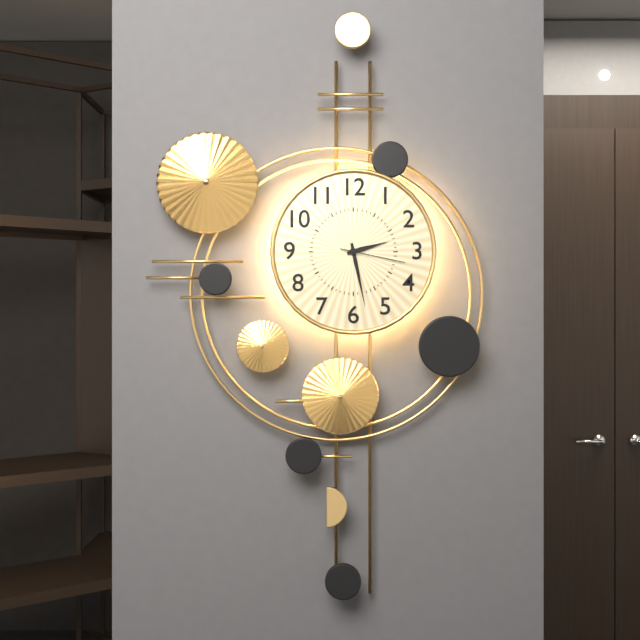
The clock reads 2.28.17
